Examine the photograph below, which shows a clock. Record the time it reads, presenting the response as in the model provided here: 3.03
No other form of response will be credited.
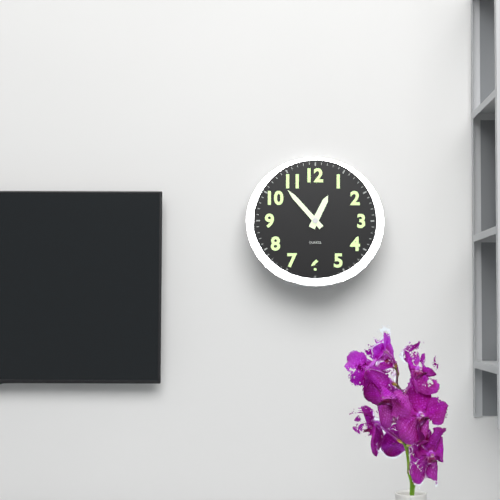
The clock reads 12.53
